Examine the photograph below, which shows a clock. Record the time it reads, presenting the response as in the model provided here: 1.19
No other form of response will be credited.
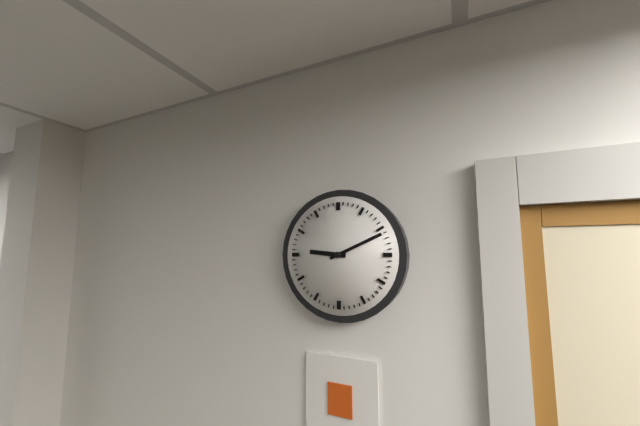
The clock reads 9.11
